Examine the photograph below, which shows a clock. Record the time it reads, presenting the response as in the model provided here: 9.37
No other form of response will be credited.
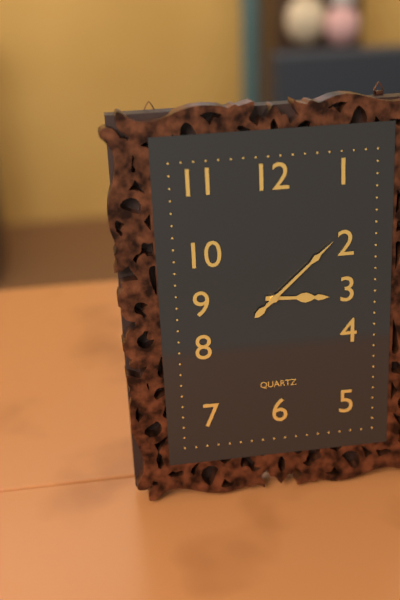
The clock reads 3.08
